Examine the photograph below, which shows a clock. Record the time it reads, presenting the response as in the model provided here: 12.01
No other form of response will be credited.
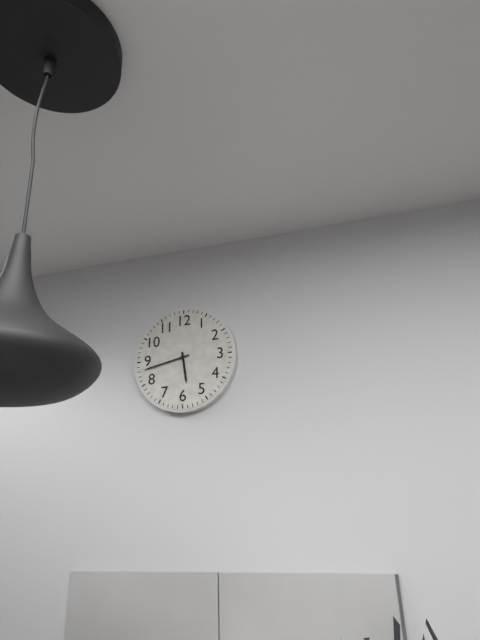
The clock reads 5.43
